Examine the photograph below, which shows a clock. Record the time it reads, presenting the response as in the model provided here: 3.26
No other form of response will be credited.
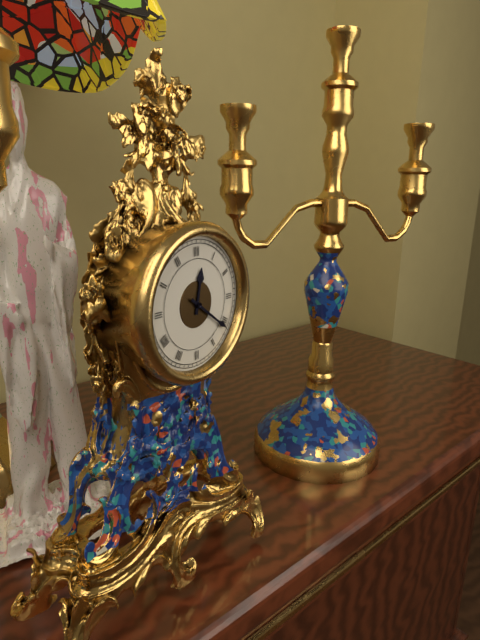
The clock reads 12.21
